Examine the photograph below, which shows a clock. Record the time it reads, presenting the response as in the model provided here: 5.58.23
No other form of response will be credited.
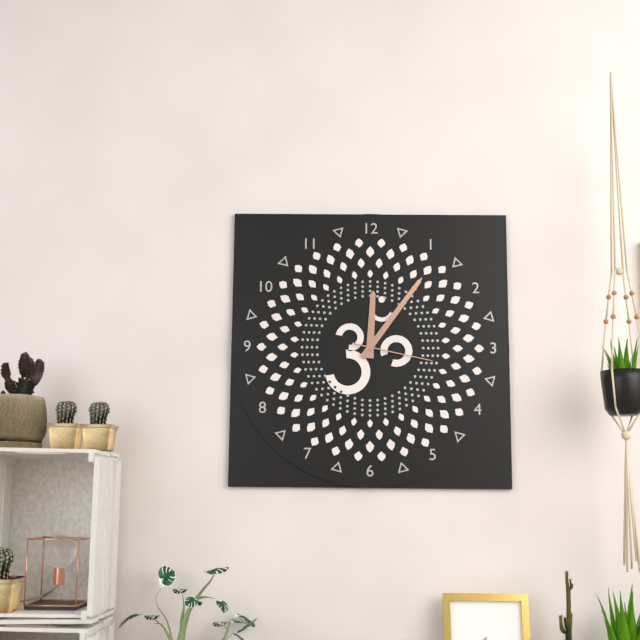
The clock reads 12.06.17
